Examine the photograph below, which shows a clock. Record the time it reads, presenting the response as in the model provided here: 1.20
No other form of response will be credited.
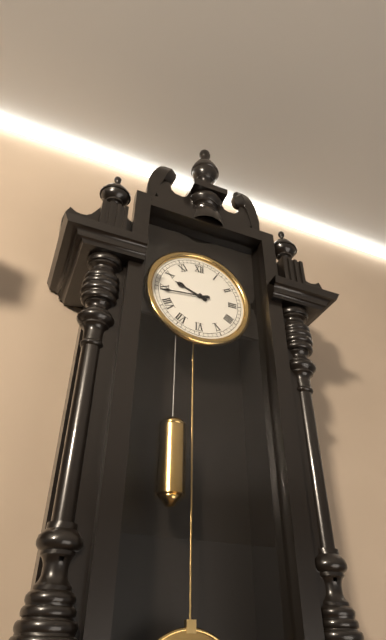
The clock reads 9.44
